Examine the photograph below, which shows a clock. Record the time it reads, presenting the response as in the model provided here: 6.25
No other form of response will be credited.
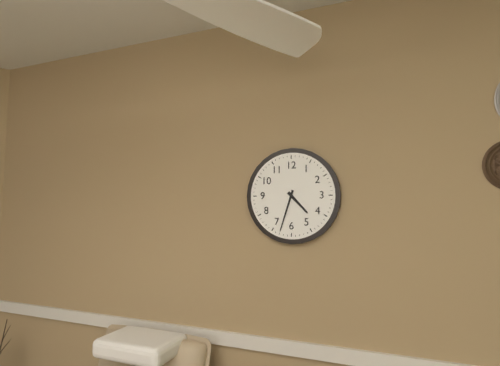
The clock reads 4.33
